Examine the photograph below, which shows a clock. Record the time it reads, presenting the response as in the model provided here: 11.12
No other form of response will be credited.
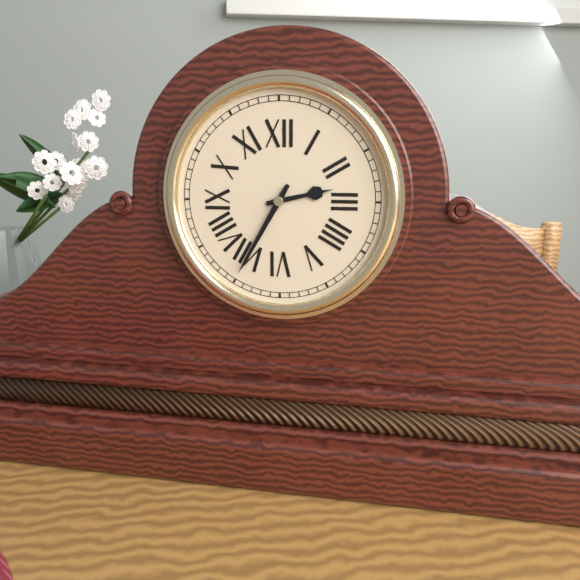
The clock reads 2.35
